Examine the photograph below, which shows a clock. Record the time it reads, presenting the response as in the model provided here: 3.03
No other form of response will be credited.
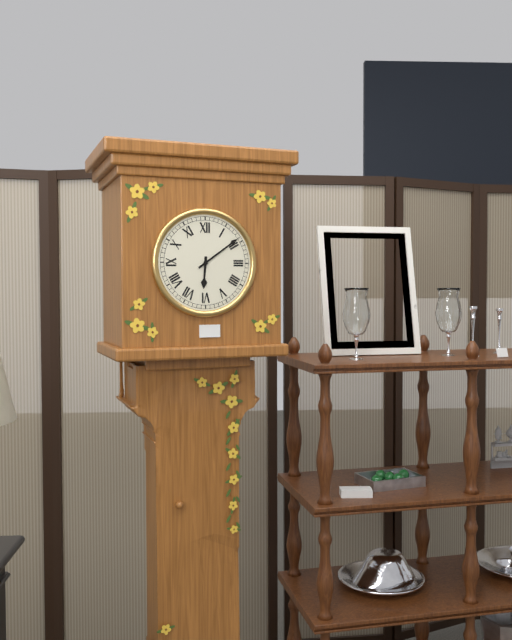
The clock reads 6.09
